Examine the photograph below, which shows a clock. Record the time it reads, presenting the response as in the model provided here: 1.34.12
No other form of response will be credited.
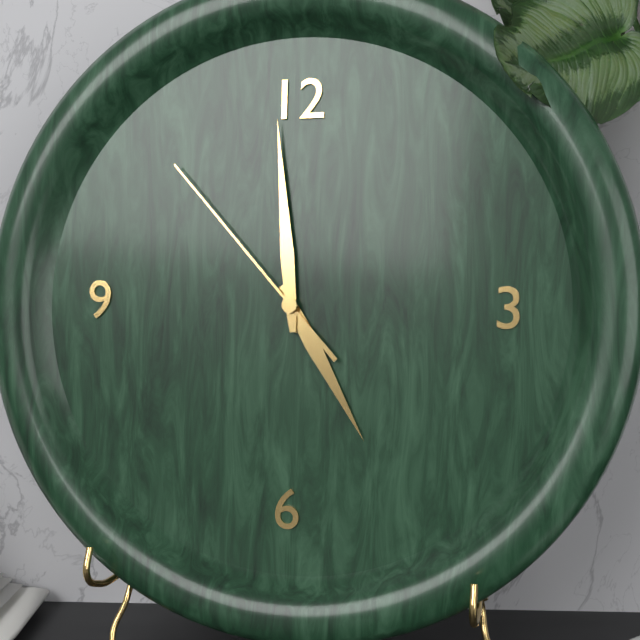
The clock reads 4.59.53
